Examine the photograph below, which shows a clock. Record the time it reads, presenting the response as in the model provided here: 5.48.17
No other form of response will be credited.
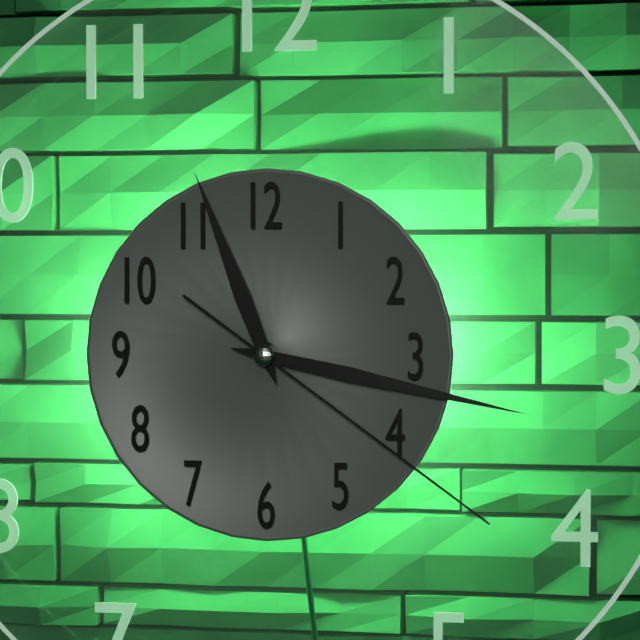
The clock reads 11.17.21
